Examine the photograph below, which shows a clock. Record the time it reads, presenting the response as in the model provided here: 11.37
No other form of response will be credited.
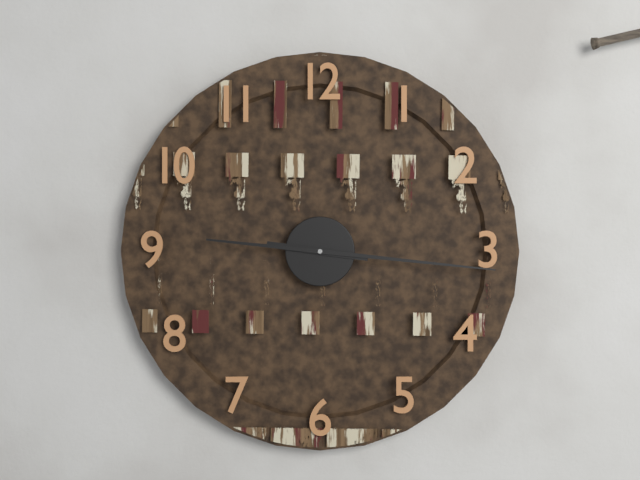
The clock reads 9.16
